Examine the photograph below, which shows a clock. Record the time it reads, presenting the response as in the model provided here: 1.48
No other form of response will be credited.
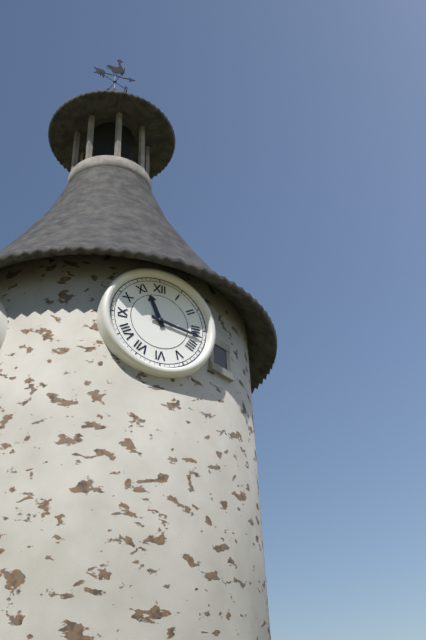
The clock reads 11.17
